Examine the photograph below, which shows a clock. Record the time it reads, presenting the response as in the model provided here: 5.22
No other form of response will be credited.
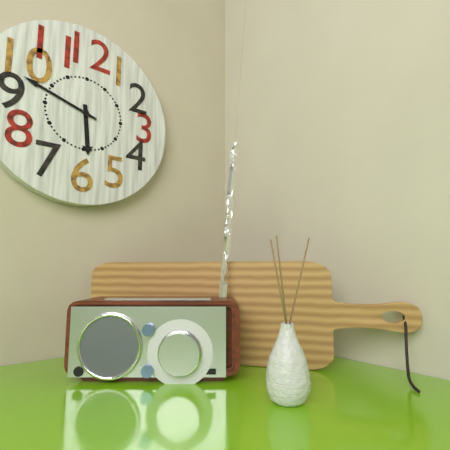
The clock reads 5.48
